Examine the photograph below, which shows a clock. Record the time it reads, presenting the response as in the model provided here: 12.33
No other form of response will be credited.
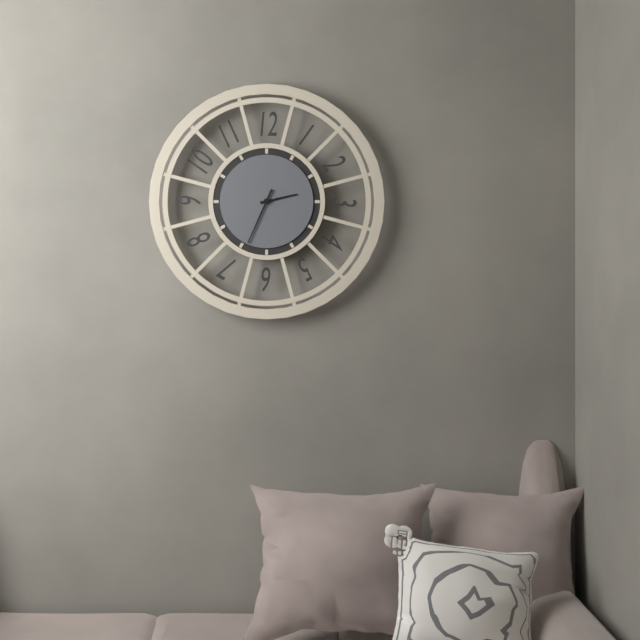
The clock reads 2.34
